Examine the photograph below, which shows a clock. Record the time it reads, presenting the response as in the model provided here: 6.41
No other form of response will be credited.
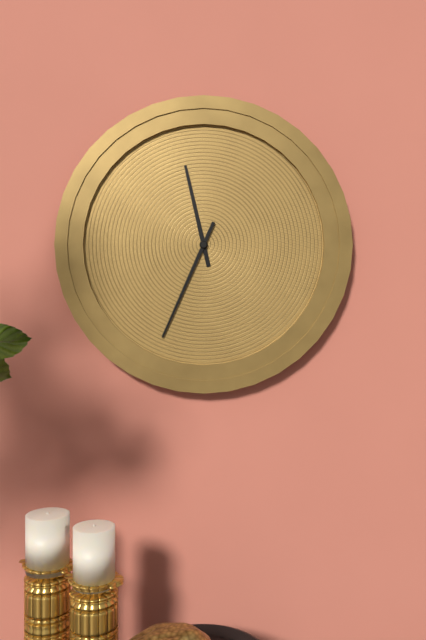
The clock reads 11.34
